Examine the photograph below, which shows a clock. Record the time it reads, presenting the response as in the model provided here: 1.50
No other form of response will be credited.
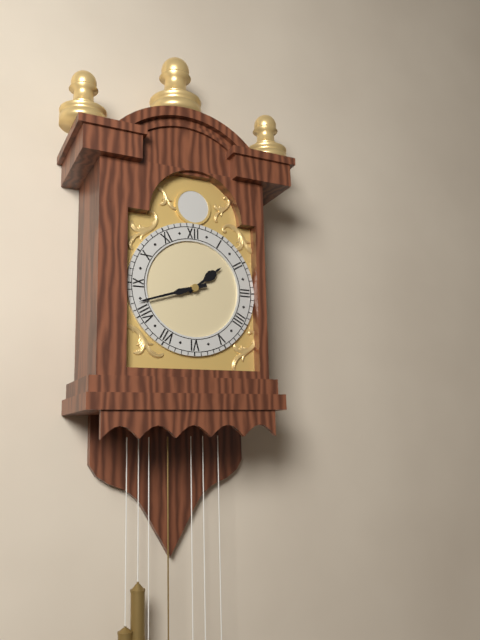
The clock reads 1.42
